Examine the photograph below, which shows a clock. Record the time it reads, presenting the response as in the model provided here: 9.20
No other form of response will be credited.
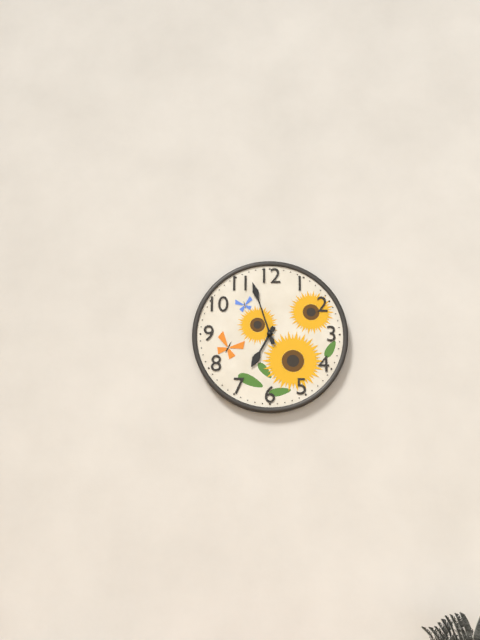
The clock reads 6.57
